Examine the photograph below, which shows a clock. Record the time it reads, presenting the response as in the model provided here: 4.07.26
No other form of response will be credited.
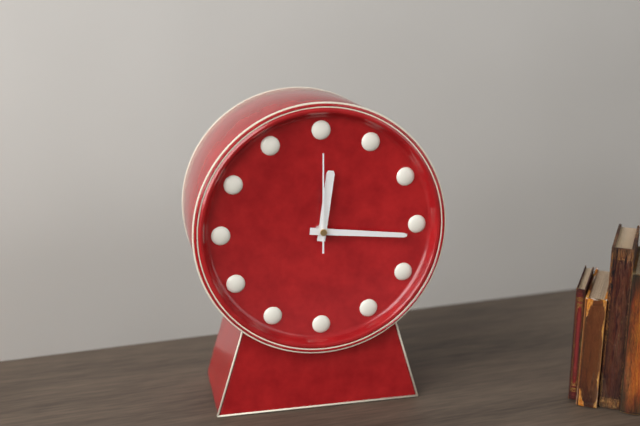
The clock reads 12.16.00
